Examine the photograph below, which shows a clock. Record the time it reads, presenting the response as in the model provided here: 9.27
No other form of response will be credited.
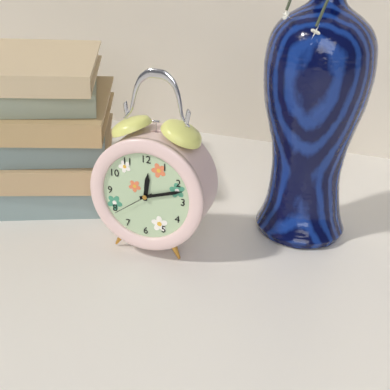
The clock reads 12.12
